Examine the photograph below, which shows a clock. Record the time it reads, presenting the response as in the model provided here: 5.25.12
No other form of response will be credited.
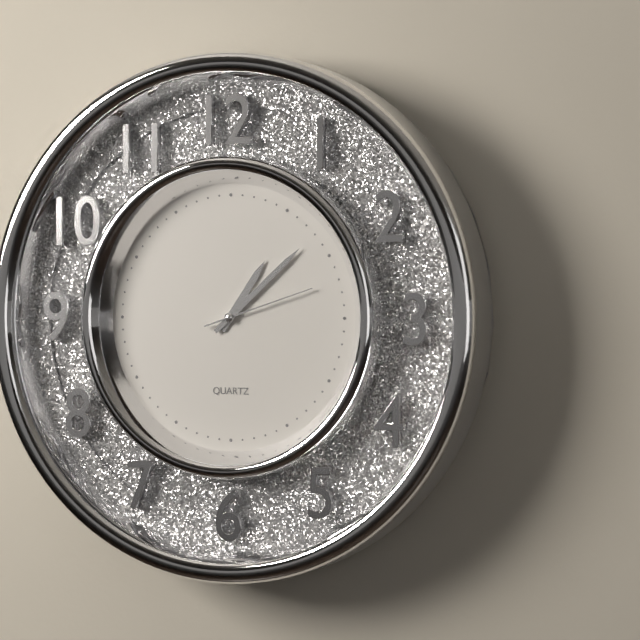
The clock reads 1.08.12
